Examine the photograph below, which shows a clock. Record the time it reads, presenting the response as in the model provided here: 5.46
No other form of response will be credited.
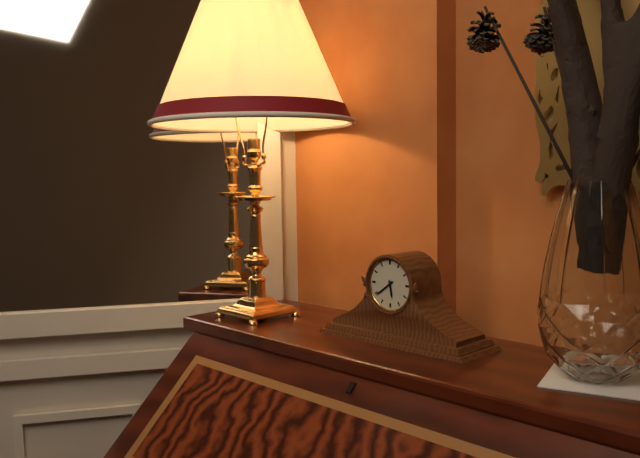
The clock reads 5.39
